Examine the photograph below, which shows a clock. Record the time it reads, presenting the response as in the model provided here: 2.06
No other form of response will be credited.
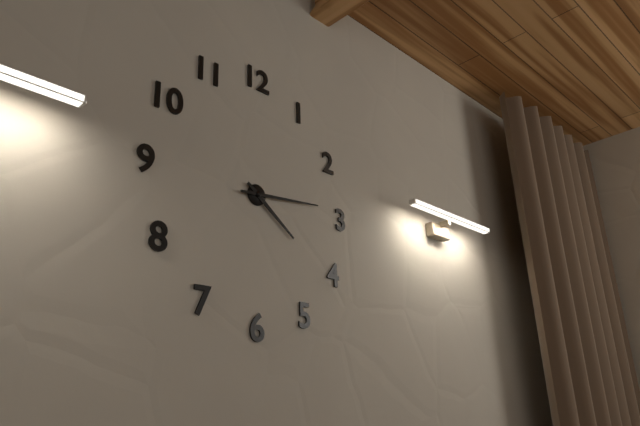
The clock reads 4.14
